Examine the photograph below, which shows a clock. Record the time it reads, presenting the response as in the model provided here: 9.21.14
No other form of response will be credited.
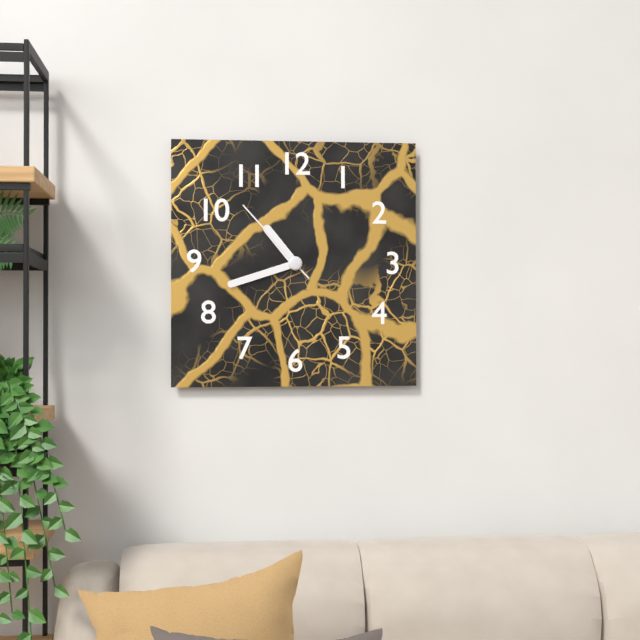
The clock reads 10.42.53
